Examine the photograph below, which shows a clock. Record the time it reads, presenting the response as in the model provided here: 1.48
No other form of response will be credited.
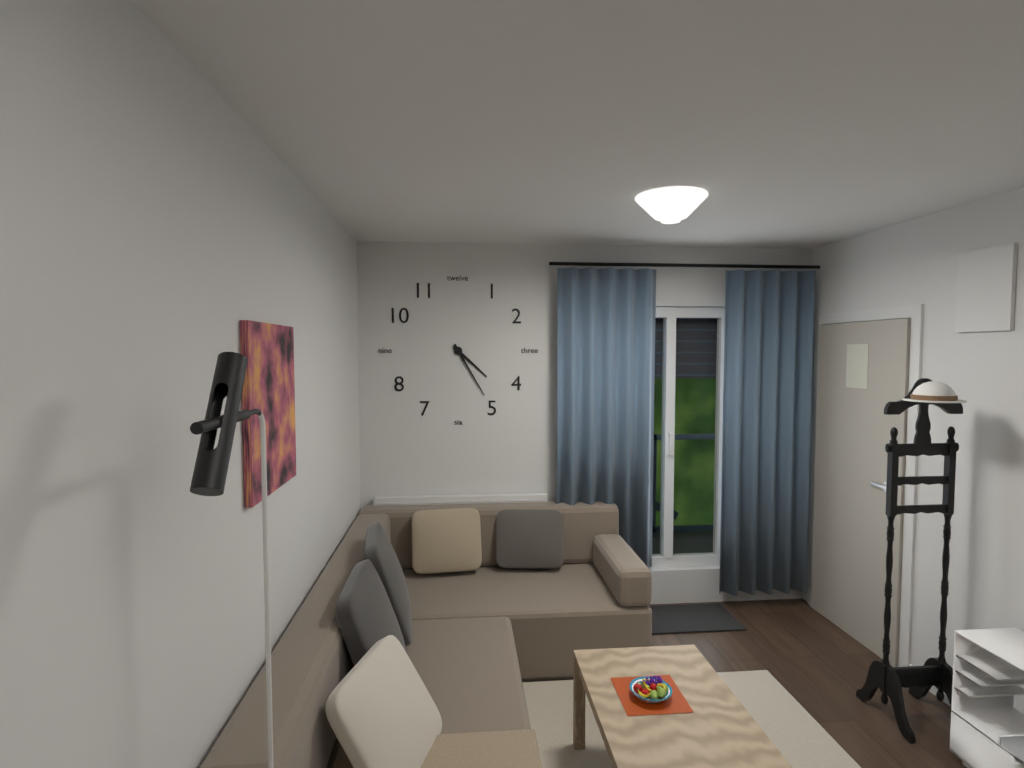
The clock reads 4.25
